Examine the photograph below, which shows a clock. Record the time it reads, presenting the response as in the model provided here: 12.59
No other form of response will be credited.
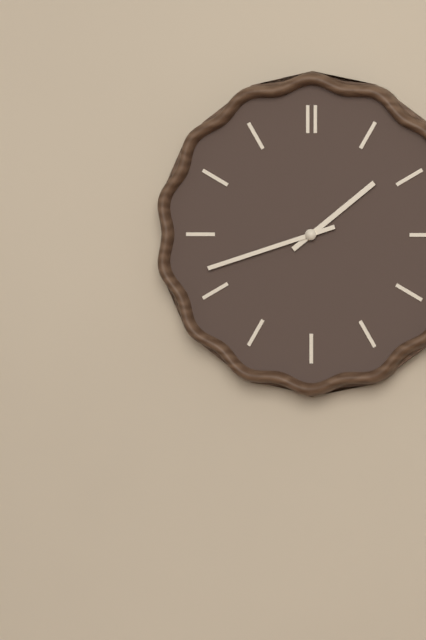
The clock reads 1.42
